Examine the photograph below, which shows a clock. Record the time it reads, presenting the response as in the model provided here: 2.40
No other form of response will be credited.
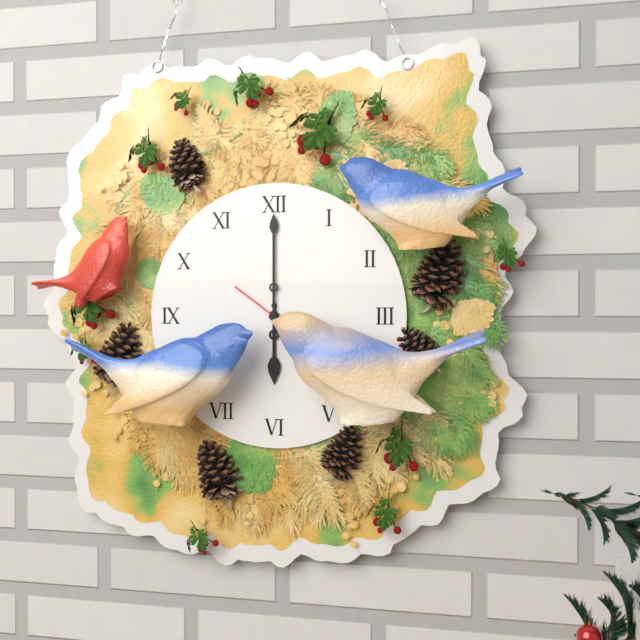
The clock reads 6.00
